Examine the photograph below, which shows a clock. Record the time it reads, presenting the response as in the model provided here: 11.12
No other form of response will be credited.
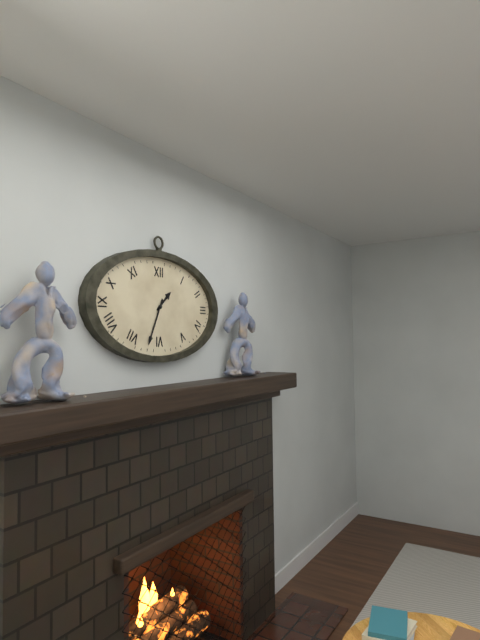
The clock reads 1.34
